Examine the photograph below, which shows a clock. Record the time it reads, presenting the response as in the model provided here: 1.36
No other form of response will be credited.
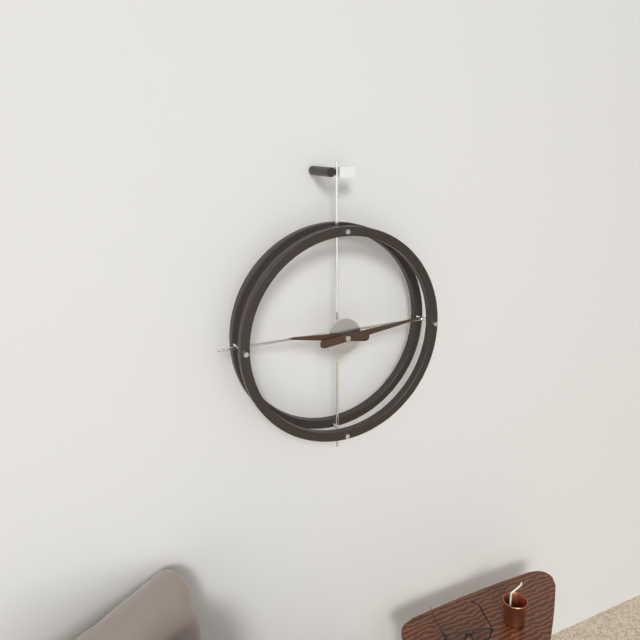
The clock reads 9.14
